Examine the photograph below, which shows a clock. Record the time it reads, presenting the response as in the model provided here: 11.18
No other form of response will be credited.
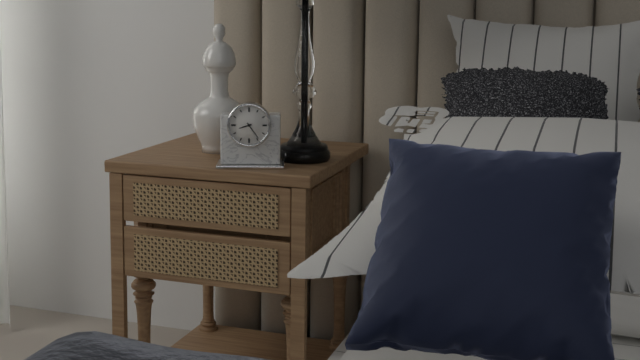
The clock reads 8.24
